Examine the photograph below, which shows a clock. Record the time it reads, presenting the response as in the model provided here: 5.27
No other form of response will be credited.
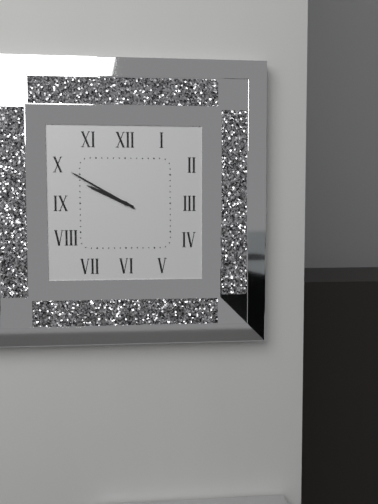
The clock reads 9.50
